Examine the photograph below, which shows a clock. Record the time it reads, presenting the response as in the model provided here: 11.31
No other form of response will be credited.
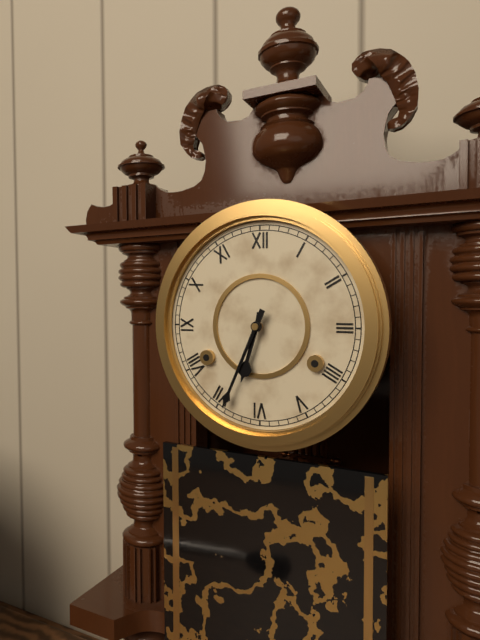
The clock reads 6.34
